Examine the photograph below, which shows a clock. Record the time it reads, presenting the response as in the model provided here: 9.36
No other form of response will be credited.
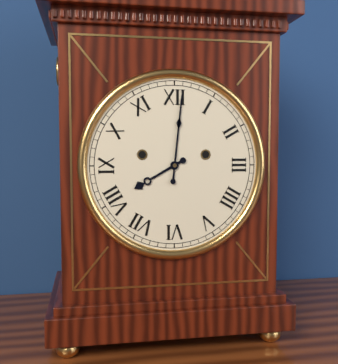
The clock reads 8.01
